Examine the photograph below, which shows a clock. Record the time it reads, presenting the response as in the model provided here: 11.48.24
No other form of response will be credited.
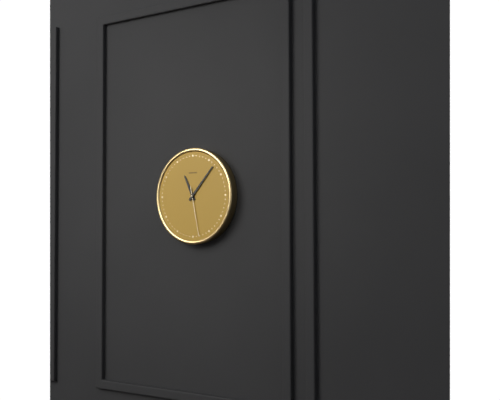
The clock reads 11.07.28
